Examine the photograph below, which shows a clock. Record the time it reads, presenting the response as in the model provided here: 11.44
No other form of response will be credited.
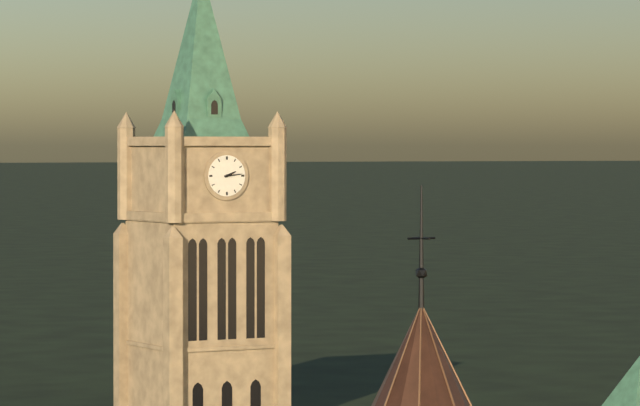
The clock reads 2.14
